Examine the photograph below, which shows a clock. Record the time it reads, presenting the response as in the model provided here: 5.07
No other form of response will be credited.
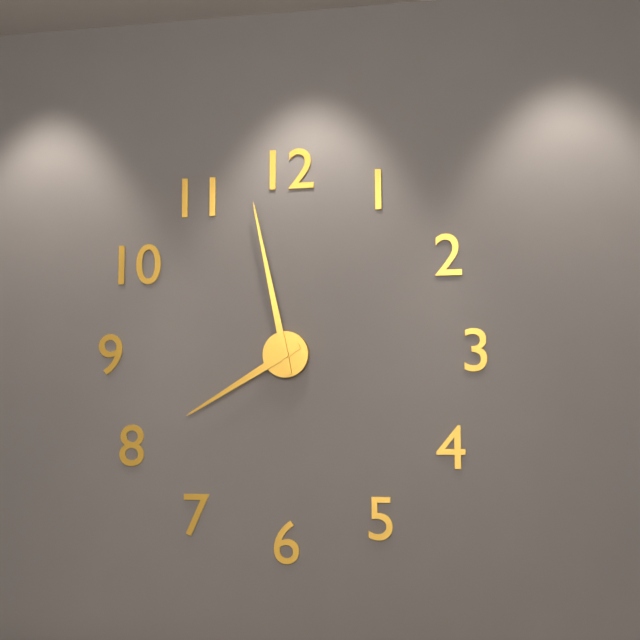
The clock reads 7.58
